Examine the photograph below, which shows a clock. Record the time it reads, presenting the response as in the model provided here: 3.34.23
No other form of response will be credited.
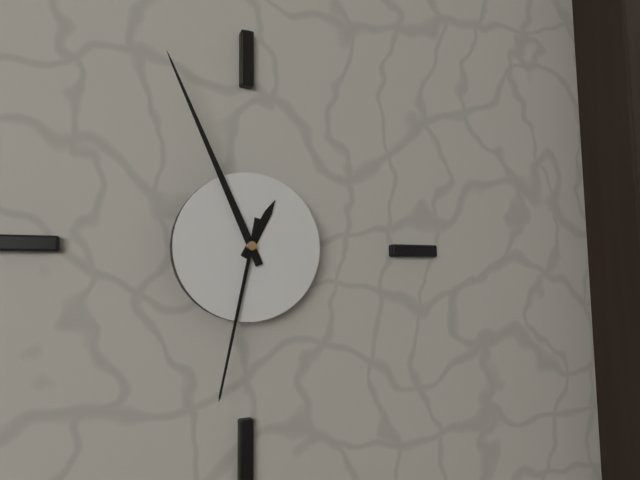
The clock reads 12.56.32
